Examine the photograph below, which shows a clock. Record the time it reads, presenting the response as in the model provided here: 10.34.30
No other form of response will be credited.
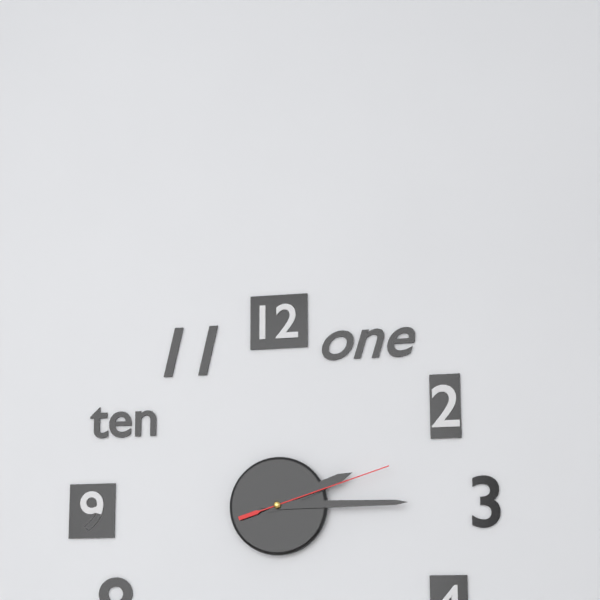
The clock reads 2.15.12
